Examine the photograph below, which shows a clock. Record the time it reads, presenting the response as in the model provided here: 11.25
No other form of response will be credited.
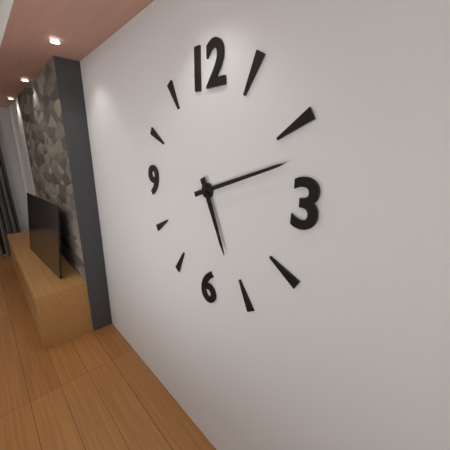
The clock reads 5.12
